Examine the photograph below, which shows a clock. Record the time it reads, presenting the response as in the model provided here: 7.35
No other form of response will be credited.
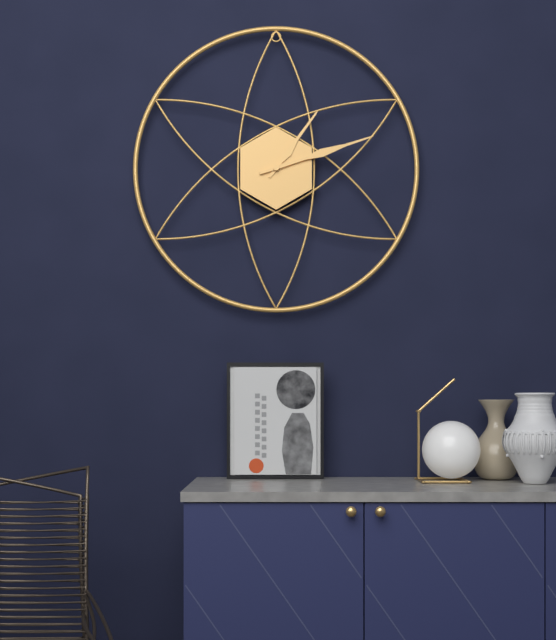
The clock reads 1.12
